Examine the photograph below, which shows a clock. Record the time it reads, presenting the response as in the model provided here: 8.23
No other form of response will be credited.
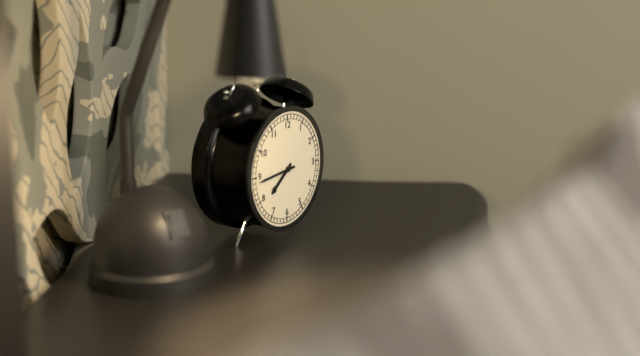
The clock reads 7.44
